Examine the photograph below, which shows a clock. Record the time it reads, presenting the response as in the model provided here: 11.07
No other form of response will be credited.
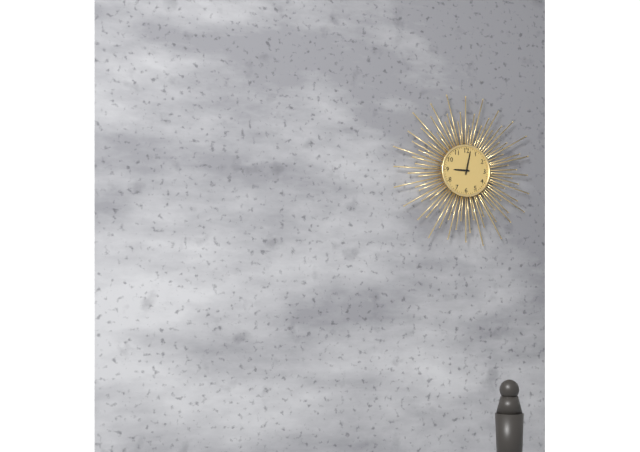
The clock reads 9.02
